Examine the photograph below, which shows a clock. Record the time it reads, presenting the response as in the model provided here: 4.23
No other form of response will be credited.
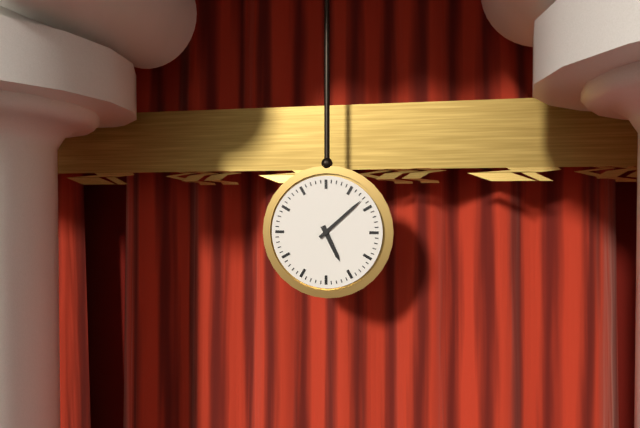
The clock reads 5.08
